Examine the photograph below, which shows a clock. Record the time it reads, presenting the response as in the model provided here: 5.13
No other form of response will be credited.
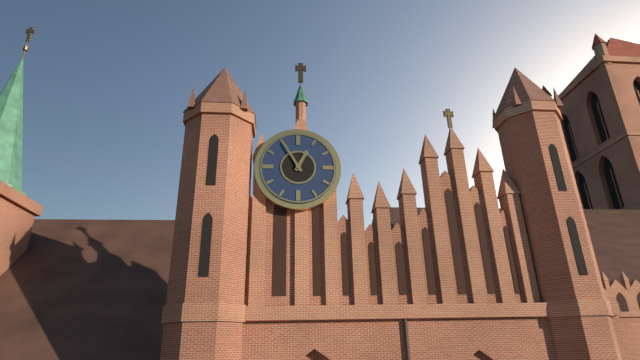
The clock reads 12.55
